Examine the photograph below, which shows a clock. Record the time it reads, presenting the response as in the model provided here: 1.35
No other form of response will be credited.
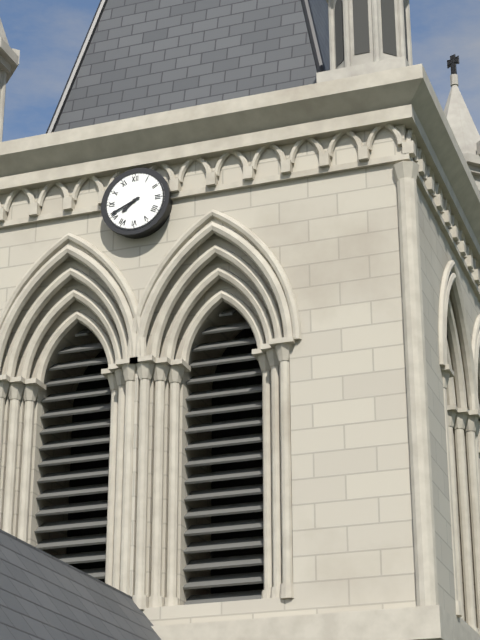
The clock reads 7.41
